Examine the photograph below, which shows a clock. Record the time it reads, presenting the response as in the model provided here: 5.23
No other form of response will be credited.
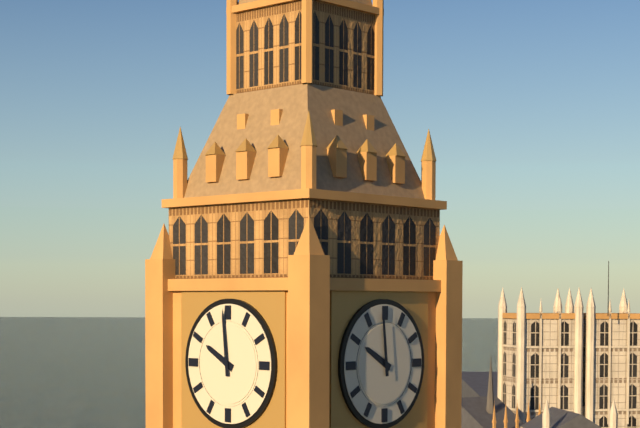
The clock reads 9.59
